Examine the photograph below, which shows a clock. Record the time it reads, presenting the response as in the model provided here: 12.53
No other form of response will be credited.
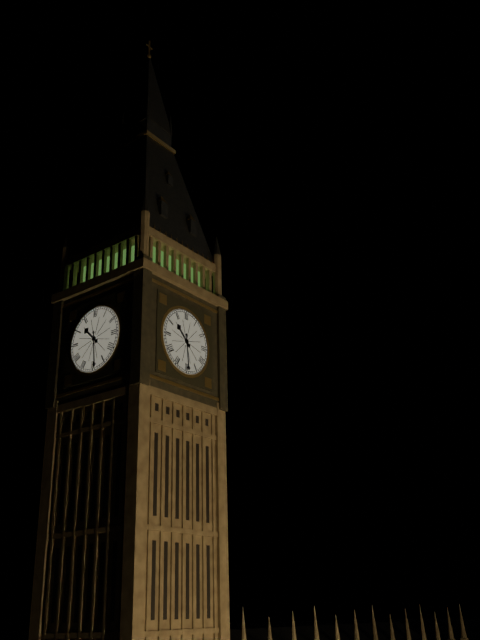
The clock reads 10.29
